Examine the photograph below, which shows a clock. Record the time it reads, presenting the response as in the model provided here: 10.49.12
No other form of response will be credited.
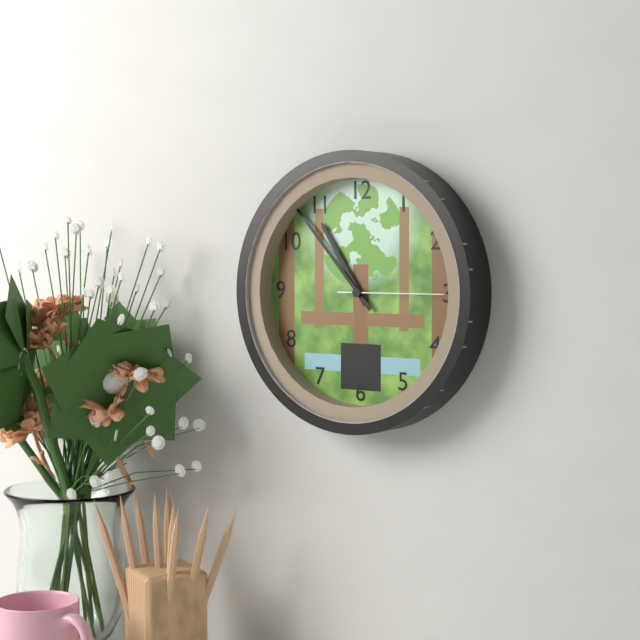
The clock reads 10.53.15
